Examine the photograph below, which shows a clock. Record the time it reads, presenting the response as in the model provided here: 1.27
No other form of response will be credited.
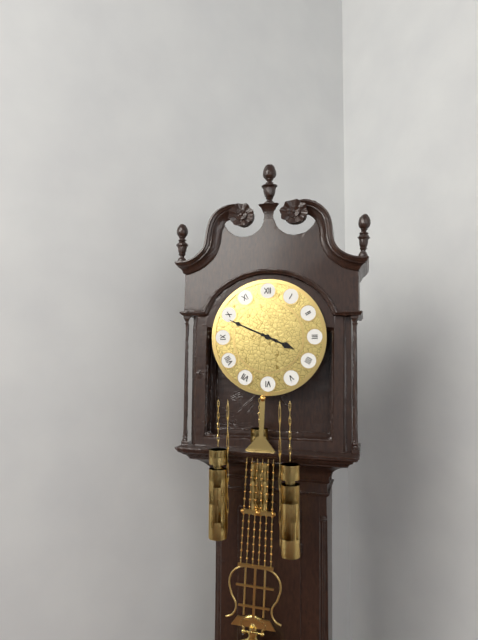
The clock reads 3.49
